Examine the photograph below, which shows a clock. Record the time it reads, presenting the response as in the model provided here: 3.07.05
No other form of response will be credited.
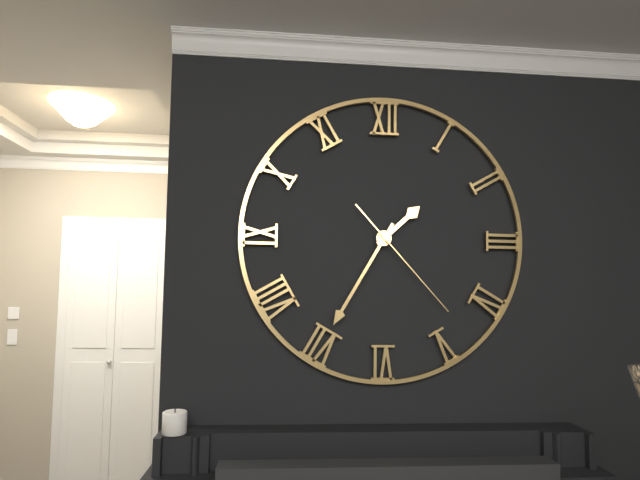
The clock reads 1.35.23
